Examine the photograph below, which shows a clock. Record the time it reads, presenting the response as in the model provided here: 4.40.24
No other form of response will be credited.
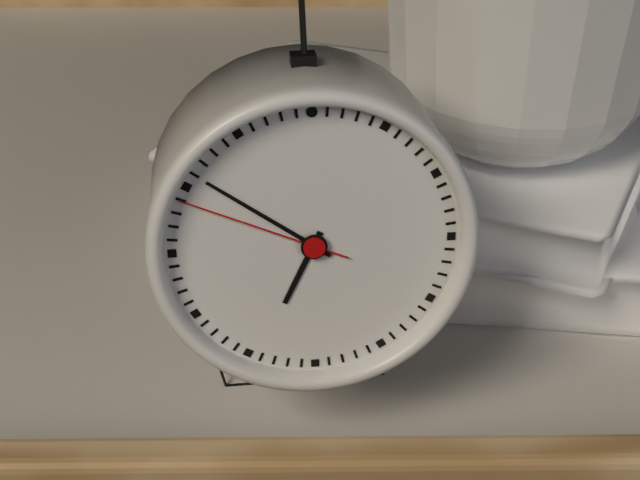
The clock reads 6.51.49
